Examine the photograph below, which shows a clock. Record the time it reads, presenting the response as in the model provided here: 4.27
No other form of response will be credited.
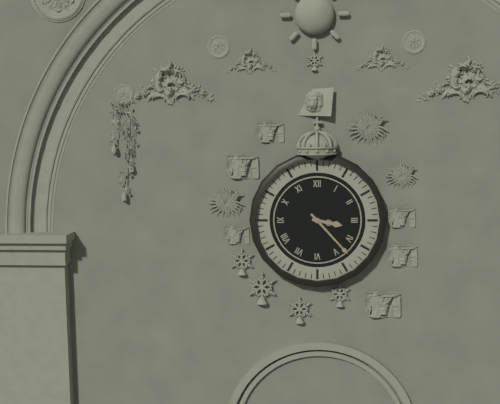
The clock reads 3.23
